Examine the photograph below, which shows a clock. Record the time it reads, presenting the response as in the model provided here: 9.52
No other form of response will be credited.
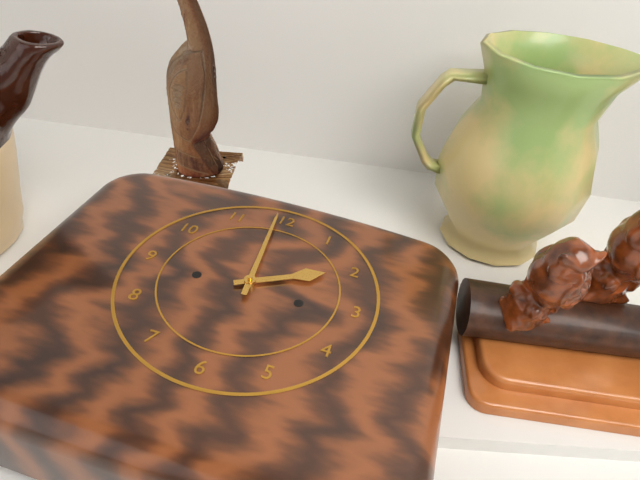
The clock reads 1.59
